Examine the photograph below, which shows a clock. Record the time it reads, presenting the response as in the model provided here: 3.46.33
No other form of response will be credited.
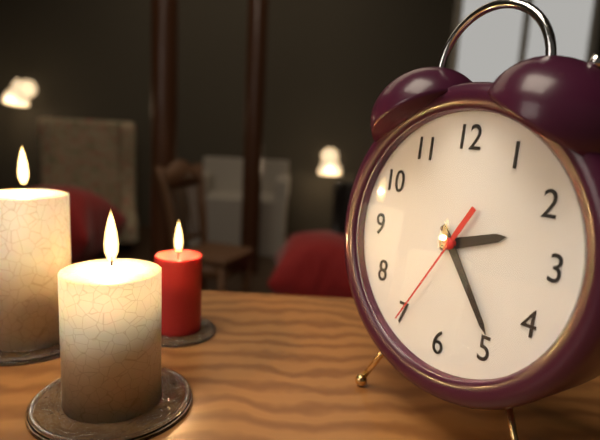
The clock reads 2.24.35
